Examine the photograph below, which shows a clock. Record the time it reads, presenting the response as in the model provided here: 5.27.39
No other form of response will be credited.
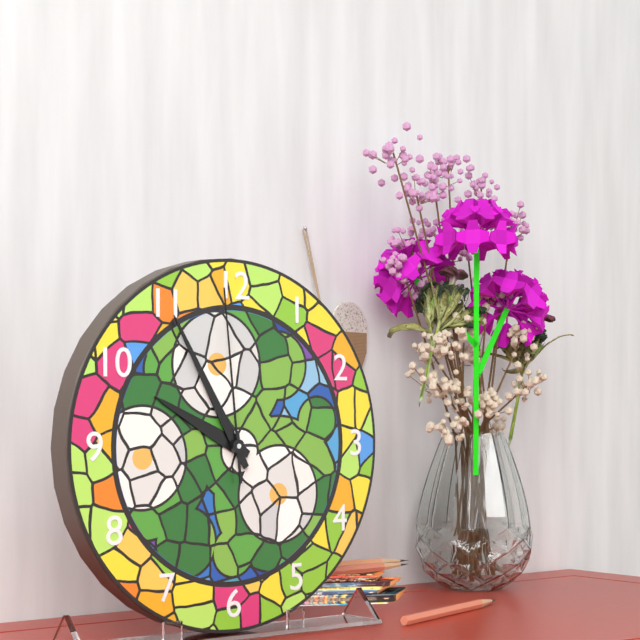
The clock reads 9.55.59
